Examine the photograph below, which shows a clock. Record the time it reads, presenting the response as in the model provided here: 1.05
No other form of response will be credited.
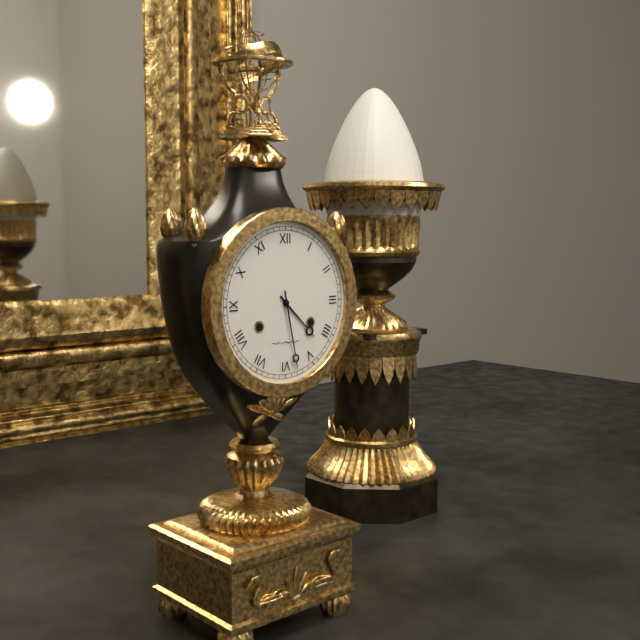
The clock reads 4.28
